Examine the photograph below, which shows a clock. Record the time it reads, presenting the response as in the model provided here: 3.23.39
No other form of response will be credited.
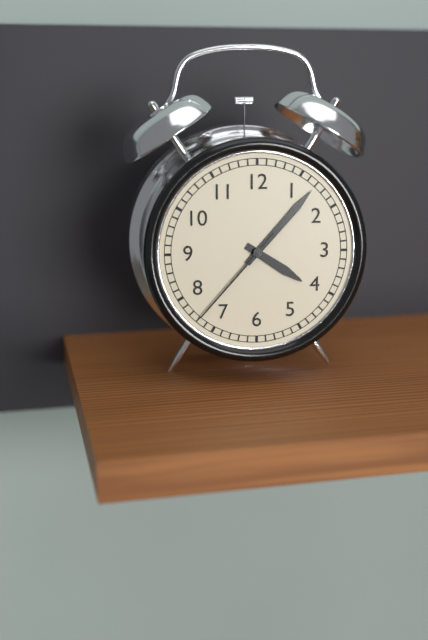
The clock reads 4.07.37
